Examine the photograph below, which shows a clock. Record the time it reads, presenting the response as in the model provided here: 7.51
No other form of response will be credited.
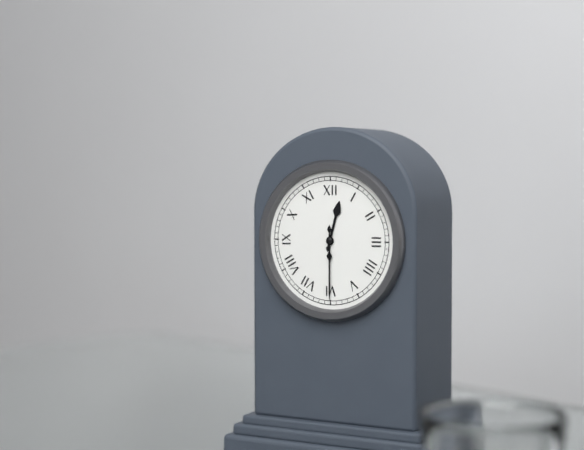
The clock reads 12.30
